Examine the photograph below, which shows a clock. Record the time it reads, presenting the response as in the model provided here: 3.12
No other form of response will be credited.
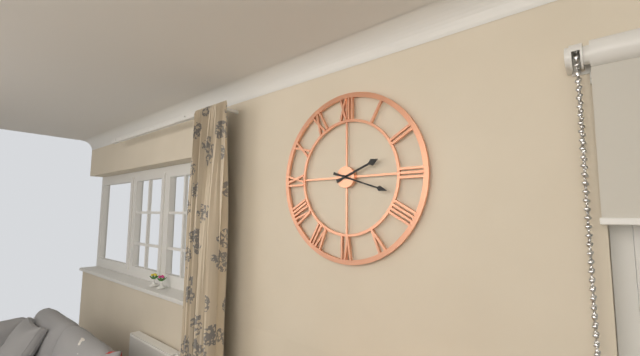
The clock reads 2.18
